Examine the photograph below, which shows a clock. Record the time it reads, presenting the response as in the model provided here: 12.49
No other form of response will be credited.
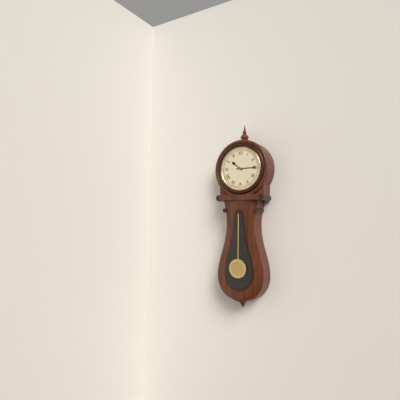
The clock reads 10.15
